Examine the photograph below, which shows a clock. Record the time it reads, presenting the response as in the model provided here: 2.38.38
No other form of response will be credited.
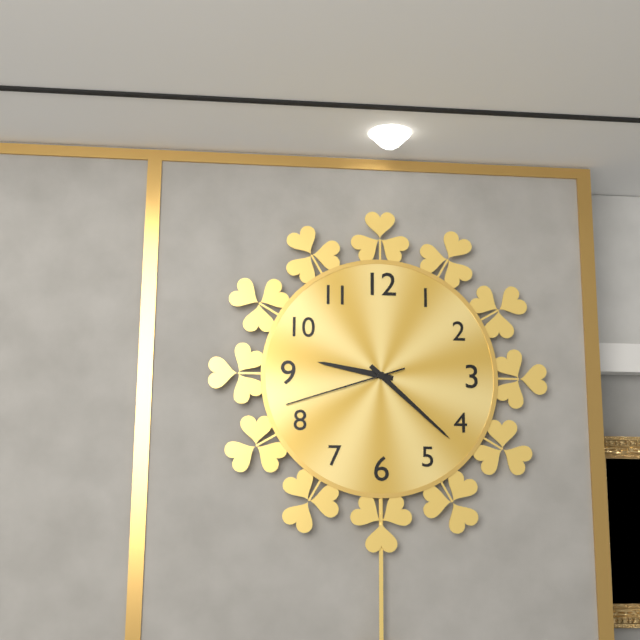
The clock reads 9.22.42
